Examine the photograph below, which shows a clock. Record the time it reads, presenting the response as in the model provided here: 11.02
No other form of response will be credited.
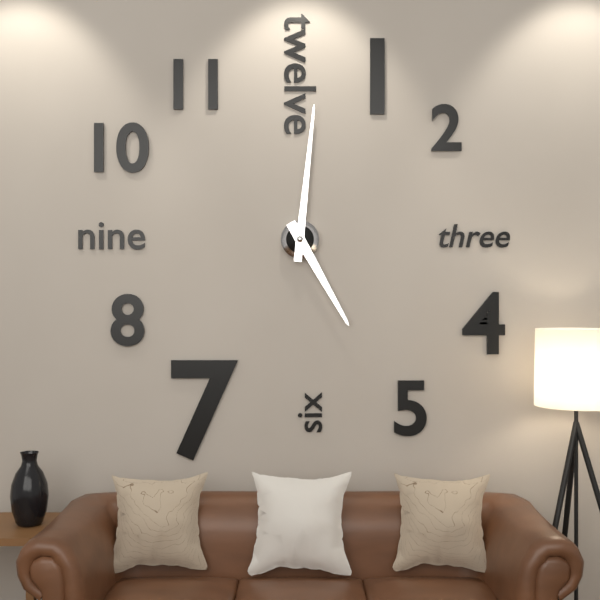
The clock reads 5.01
